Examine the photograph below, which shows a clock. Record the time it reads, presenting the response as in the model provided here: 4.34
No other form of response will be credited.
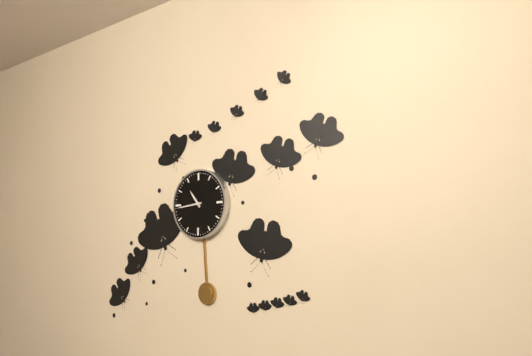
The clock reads 10.44
